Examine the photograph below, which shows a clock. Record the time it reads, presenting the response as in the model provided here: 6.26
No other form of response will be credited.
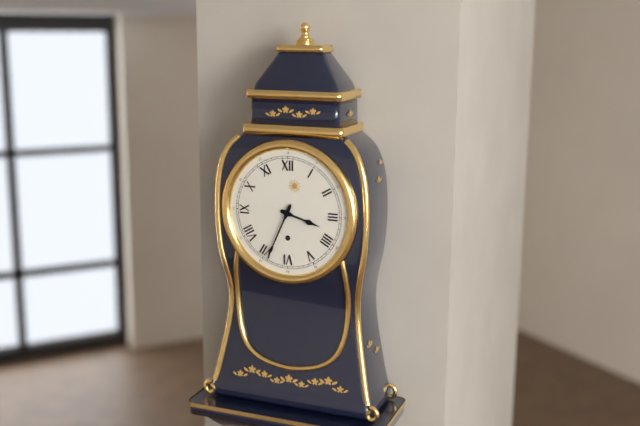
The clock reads 3.34
